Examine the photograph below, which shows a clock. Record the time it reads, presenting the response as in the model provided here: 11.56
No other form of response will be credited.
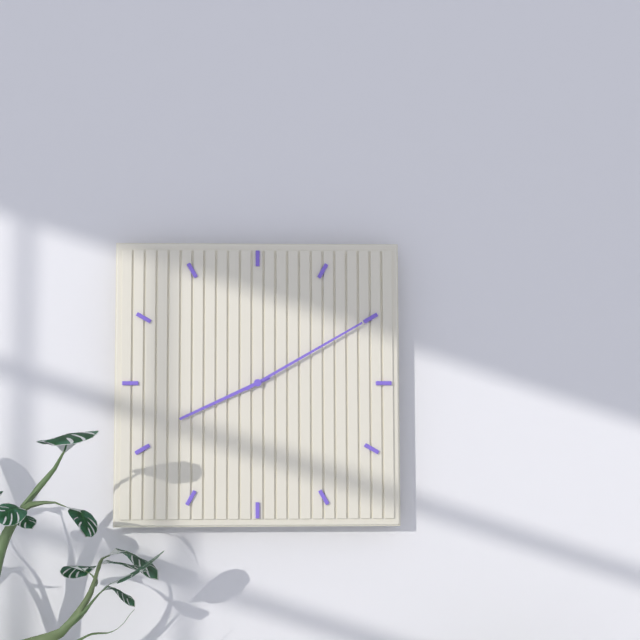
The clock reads 8.10
